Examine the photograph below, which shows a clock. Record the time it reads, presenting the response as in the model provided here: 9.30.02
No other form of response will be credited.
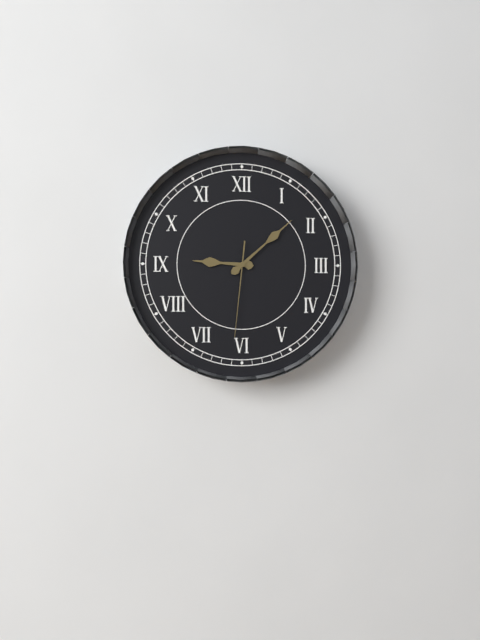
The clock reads 9.08.31
